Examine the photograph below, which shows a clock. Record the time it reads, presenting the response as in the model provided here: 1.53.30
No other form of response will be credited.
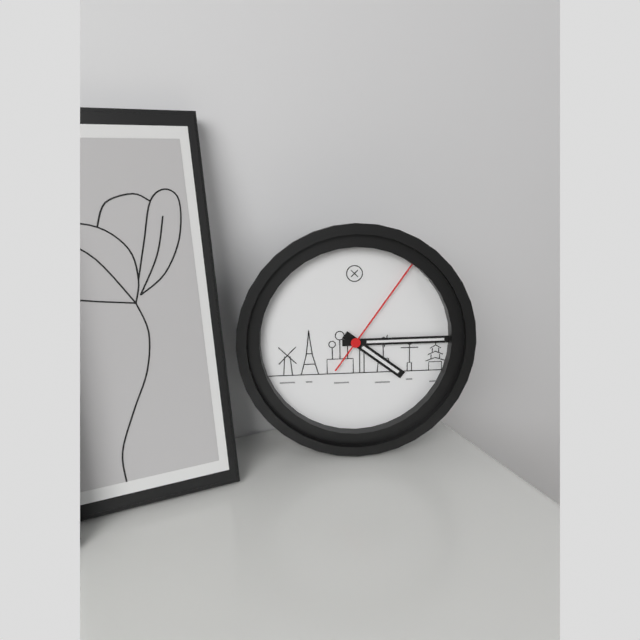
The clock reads 4.15.06
